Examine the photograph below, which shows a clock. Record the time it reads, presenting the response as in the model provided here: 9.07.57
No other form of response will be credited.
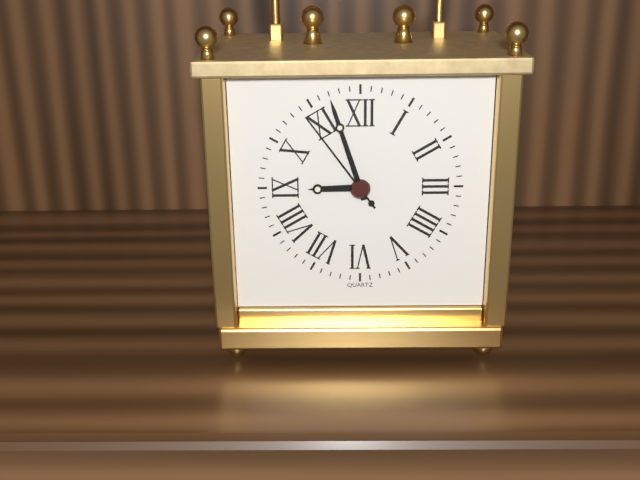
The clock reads 8.57.54
